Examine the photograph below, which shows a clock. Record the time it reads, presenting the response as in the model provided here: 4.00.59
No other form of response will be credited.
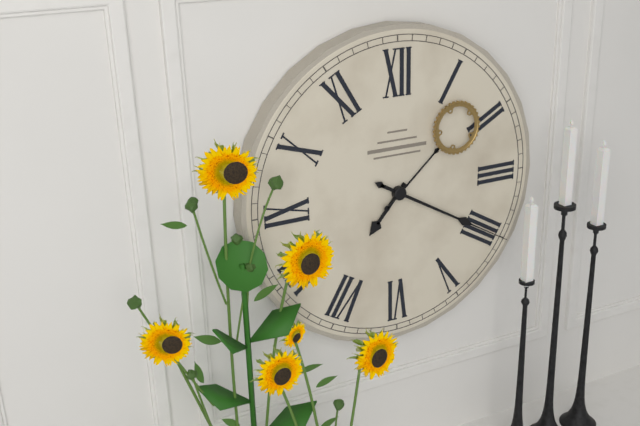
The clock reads 7.20.08
